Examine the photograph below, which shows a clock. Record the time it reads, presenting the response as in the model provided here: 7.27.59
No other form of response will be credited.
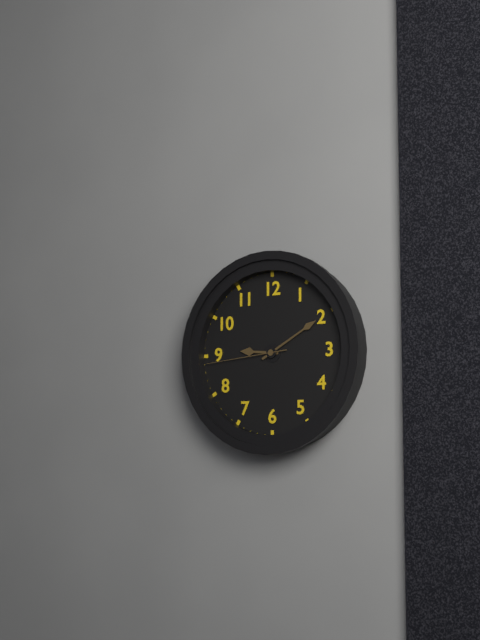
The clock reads 9.10.44
